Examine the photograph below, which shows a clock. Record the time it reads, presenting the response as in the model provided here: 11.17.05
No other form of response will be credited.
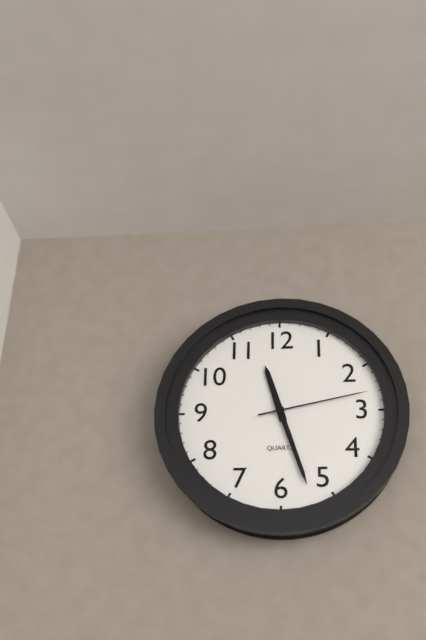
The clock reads 11.27.13
